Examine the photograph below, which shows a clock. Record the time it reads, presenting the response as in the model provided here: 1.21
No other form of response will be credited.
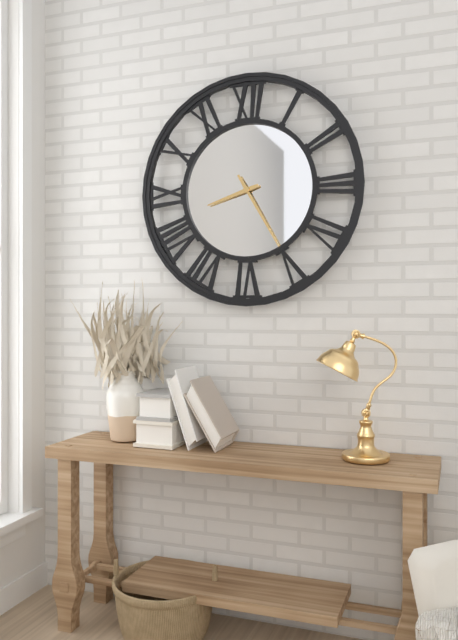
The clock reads 8.25
